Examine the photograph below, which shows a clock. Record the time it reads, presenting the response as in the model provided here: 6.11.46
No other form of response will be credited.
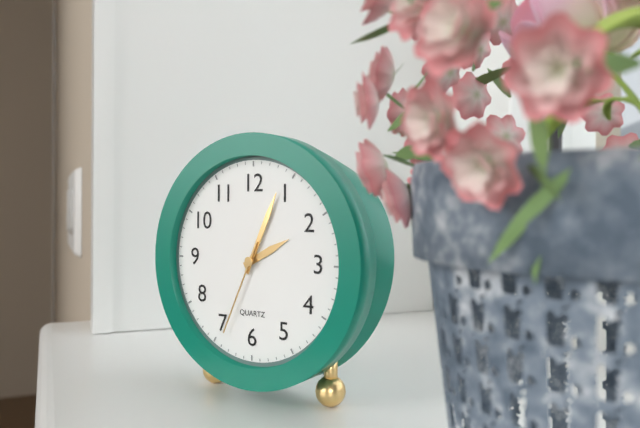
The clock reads 2.04.34
